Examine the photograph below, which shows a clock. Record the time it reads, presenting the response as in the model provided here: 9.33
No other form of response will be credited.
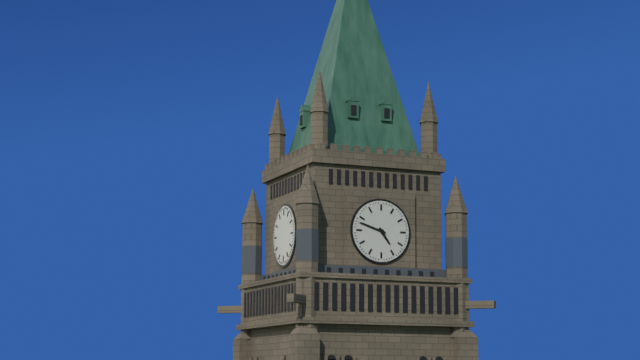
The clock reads 4.48
